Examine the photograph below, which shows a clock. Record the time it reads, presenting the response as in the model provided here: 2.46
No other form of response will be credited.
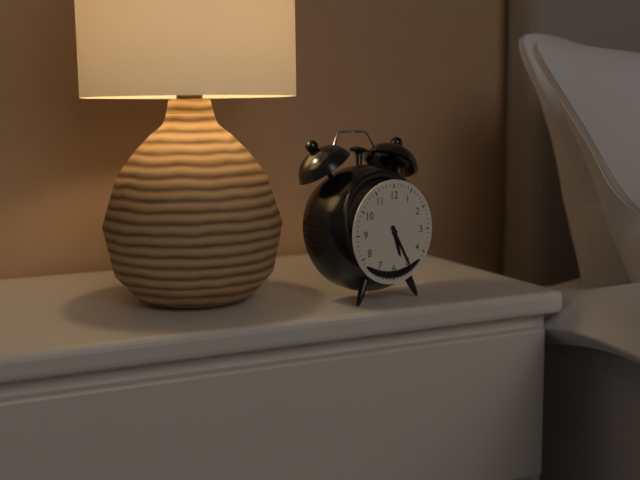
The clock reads 5.25
